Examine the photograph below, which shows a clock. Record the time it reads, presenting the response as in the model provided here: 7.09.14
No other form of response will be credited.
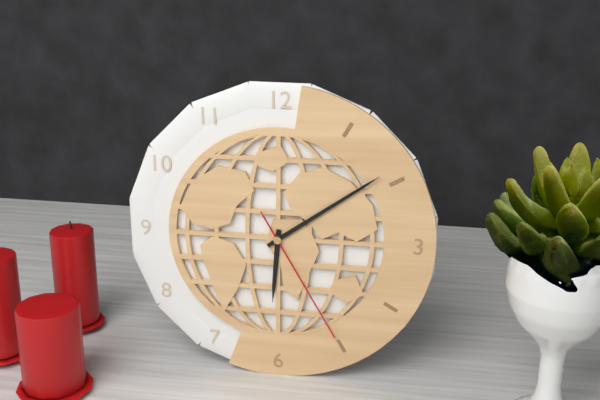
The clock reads 6.09.25
